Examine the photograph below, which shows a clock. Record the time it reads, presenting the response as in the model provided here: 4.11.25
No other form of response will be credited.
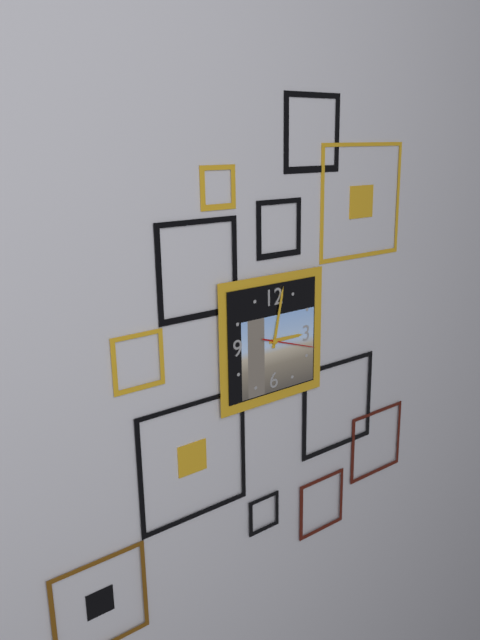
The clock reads 3.02.18
